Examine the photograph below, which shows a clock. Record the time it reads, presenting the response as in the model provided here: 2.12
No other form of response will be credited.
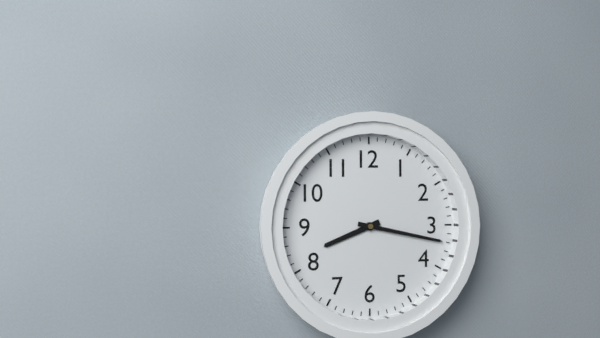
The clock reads 8.17
